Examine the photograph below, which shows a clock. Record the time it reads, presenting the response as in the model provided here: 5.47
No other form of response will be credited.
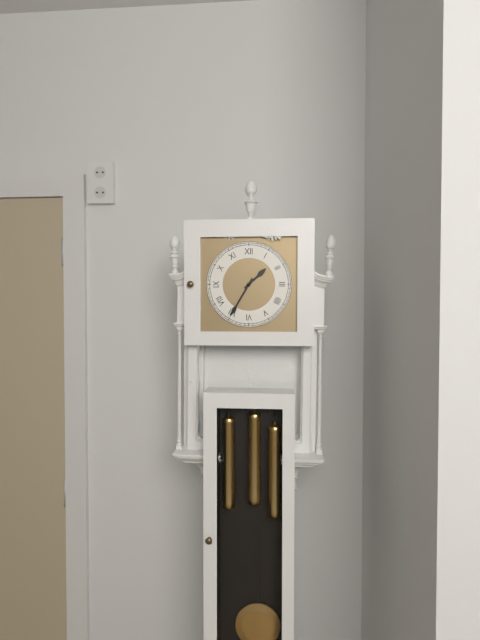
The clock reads 1.35
